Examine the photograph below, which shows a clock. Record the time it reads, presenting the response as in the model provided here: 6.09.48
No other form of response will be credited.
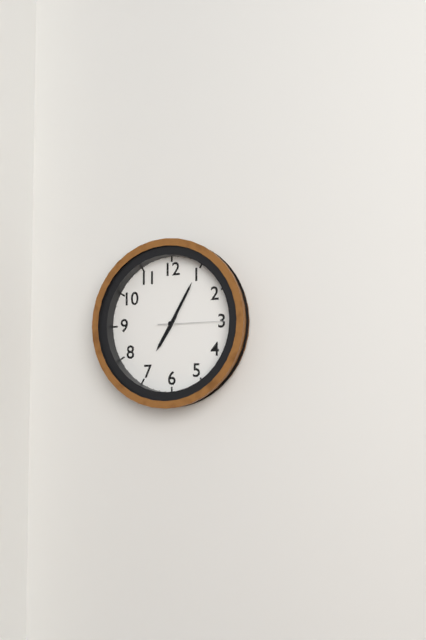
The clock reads 7.05.15
